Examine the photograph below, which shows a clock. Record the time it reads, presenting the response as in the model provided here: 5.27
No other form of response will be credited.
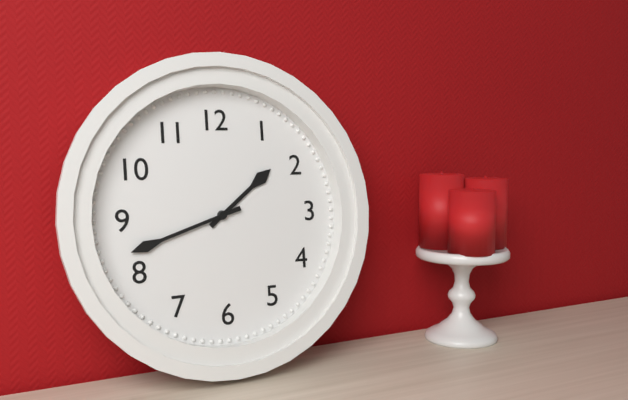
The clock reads 1.42
